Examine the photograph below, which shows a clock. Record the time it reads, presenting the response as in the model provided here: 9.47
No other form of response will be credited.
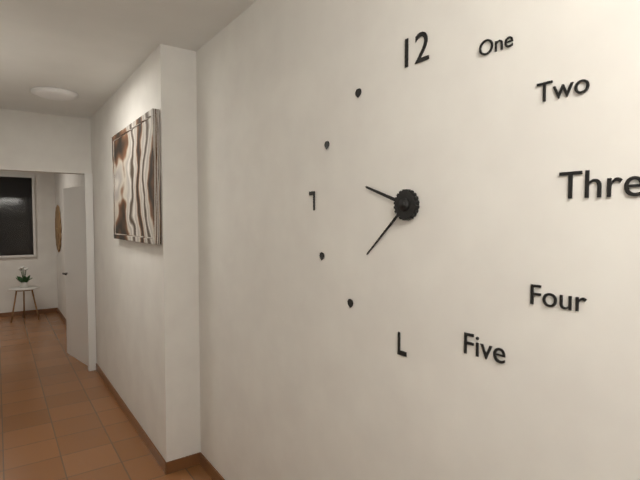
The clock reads 9.38
